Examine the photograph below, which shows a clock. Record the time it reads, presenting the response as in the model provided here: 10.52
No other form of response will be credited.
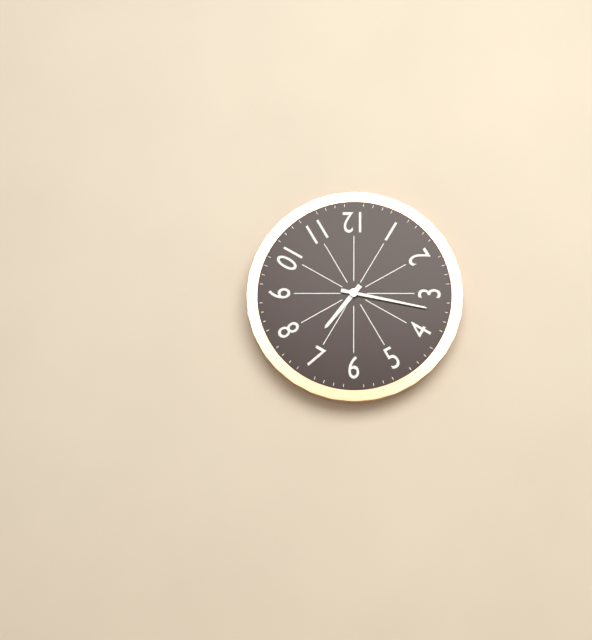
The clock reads 7.17
